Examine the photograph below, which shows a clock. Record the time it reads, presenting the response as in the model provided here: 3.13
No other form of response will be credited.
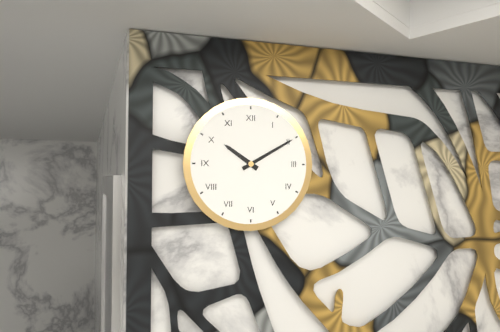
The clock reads 10.10
